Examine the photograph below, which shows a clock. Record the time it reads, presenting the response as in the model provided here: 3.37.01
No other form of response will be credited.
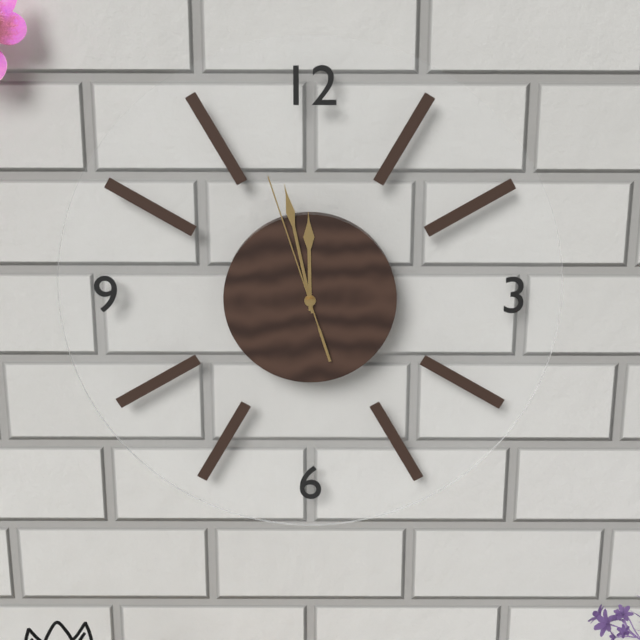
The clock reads 11.58.57
